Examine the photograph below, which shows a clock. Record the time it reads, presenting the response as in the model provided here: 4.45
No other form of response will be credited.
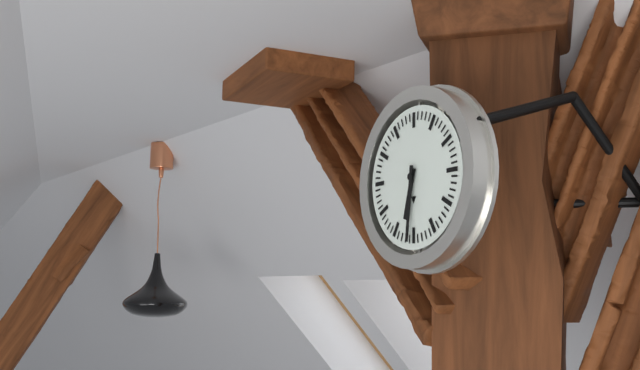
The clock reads 6.31
